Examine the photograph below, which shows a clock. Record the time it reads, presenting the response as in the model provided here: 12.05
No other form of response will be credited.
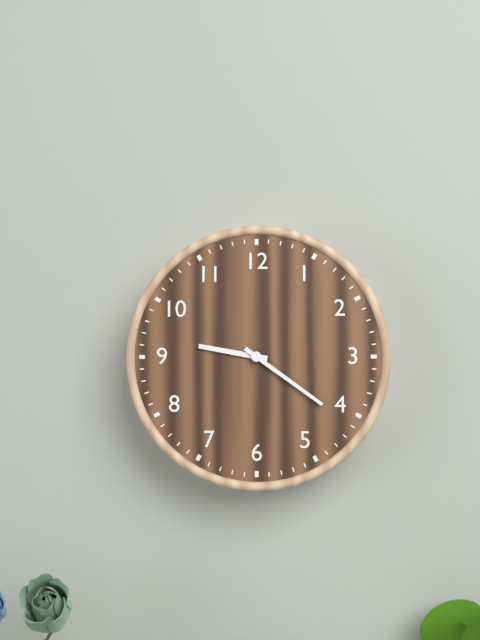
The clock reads 9.21
